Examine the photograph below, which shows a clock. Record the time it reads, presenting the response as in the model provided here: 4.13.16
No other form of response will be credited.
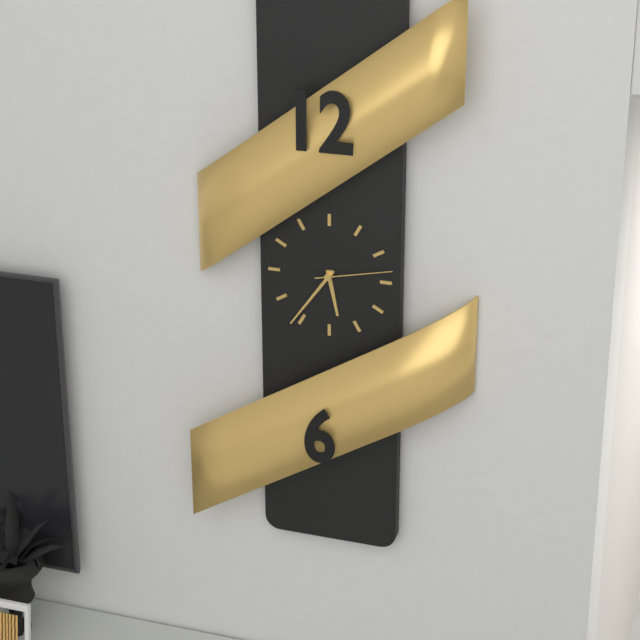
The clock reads 5.36.13
